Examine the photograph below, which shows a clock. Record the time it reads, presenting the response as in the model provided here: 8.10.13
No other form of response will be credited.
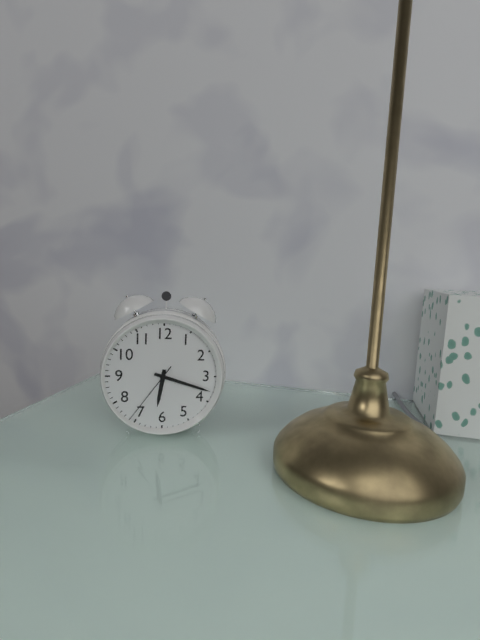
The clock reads 6.18.36
